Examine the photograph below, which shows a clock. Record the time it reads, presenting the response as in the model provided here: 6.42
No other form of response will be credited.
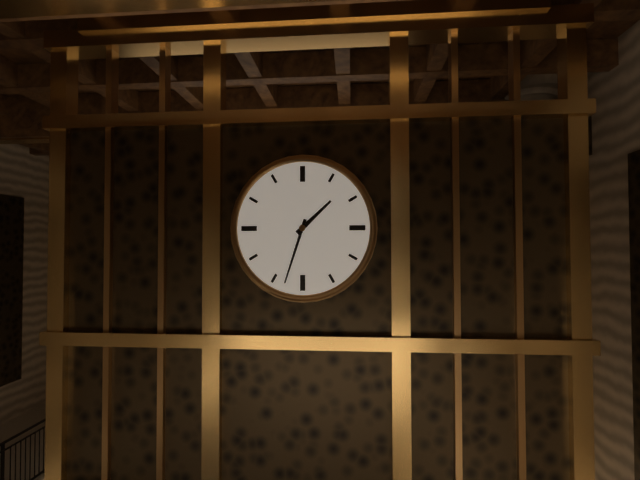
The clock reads 1.33
